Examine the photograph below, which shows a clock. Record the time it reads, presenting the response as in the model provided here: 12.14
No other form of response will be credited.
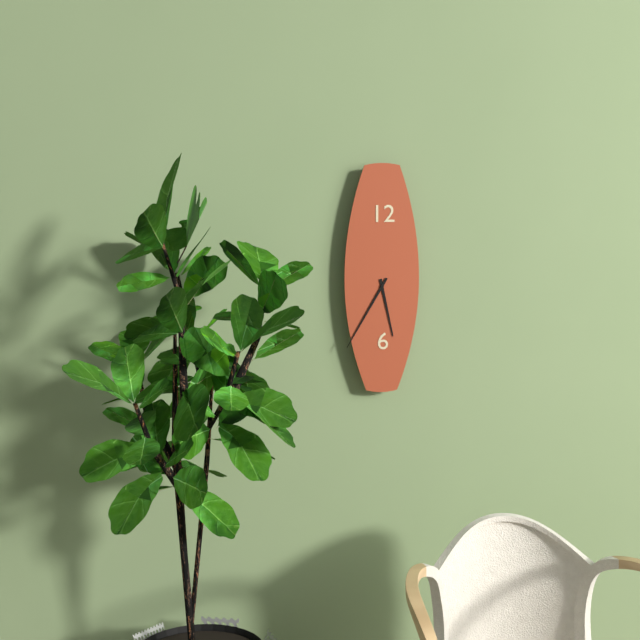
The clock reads 5.35
